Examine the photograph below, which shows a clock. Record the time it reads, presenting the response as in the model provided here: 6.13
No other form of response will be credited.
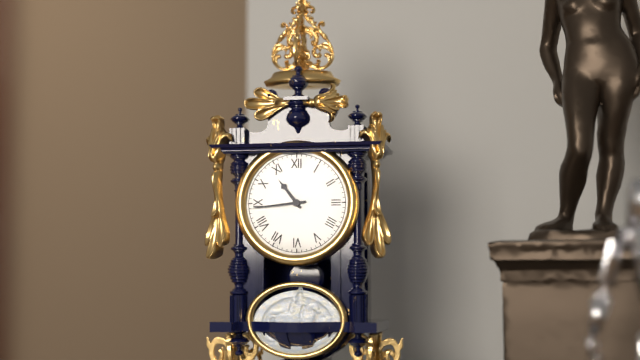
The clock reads 10.44
